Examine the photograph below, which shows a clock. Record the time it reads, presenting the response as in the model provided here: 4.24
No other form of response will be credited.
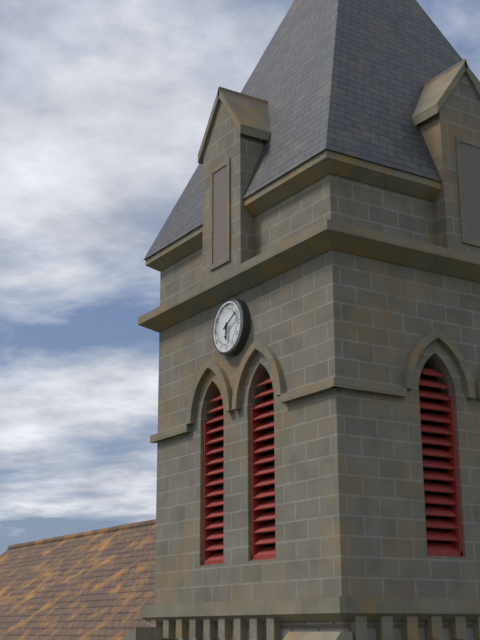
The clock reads 6.10
